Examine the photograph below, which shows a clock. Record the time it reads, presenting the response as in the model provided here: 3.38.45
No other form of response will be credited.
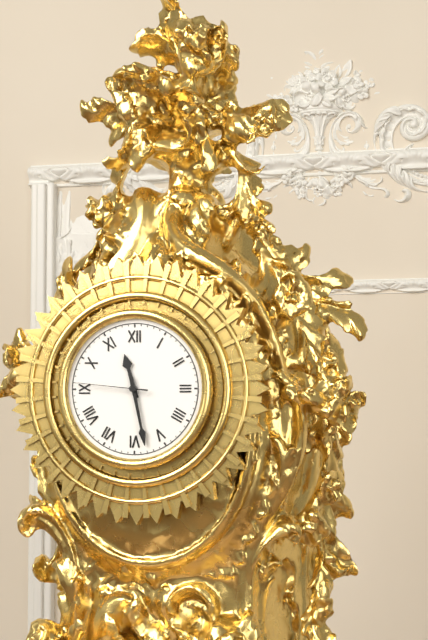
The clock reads 11.28.46
